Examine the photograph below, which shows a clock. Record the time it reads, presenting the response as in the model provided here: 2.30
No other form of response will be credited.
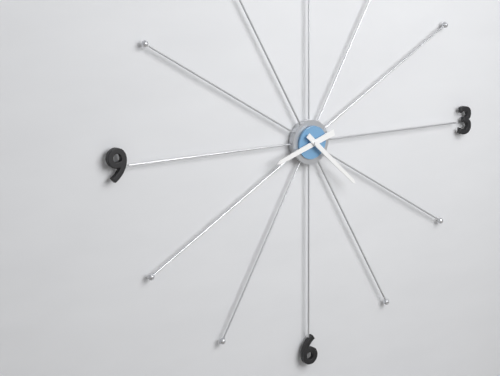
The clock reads 8.22
